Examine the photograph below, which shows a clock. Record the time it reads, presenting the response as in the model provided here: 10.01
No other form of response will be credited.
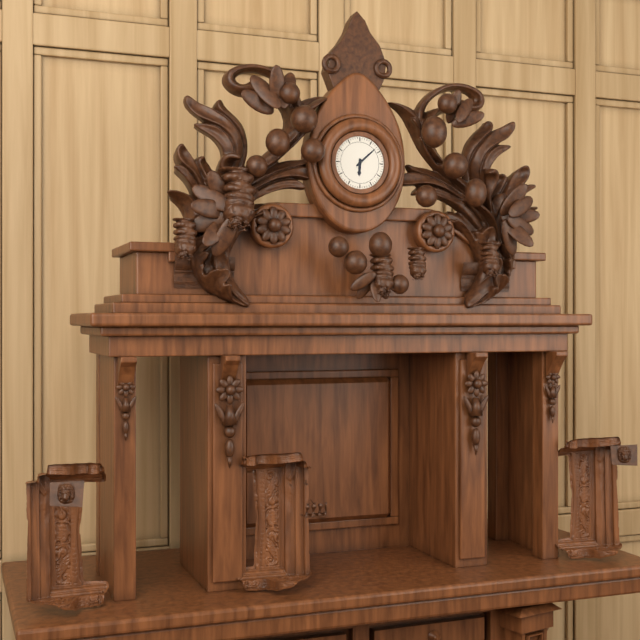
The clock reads 6.08
